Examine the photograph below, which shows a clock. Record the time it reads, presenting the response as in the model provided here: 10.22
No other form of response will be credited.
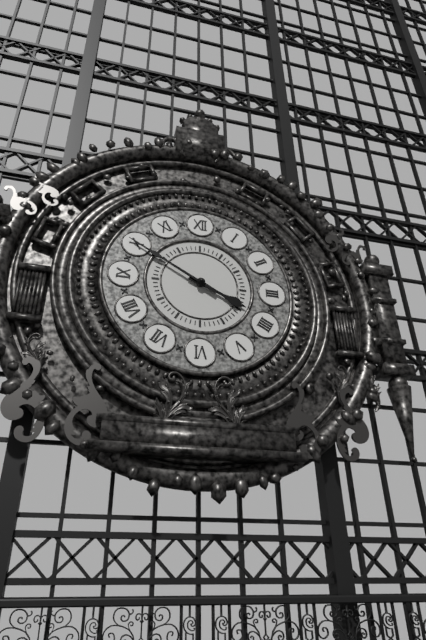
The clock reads 3.50
